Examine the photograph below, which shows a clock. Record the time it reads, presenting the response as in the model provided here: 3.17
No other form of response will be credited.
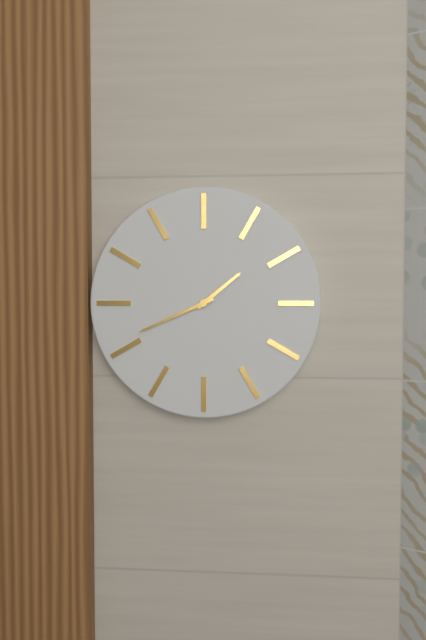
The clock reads 1.41
